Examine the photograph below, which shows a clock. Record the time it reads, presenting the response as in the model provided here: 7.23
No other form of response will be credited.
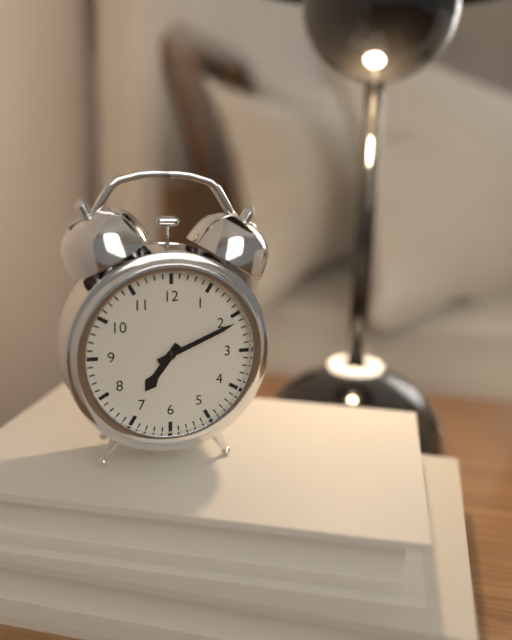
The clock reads 7.11
